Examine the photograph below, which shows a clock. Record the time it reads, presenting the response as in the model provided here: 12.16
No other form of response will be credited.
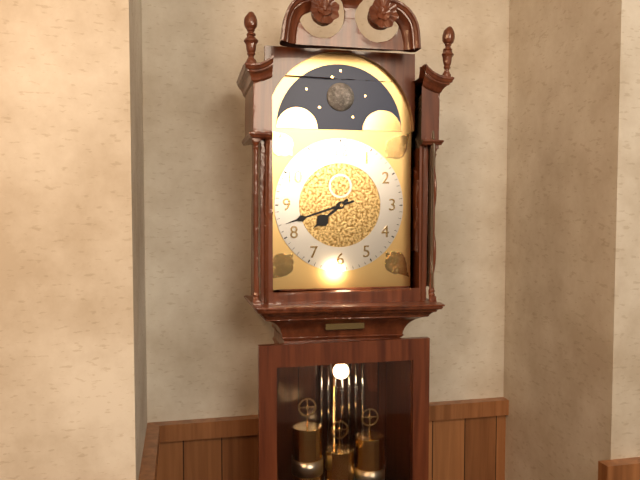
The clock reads 7.42
